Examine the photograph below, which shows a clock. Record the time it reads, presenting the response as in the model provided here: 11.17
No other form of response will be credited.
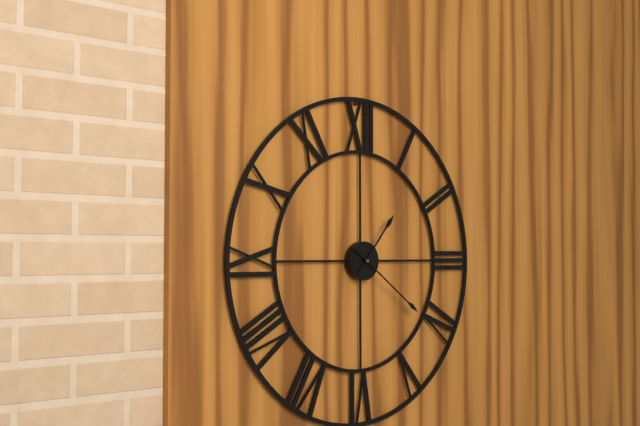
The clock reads 1.21
